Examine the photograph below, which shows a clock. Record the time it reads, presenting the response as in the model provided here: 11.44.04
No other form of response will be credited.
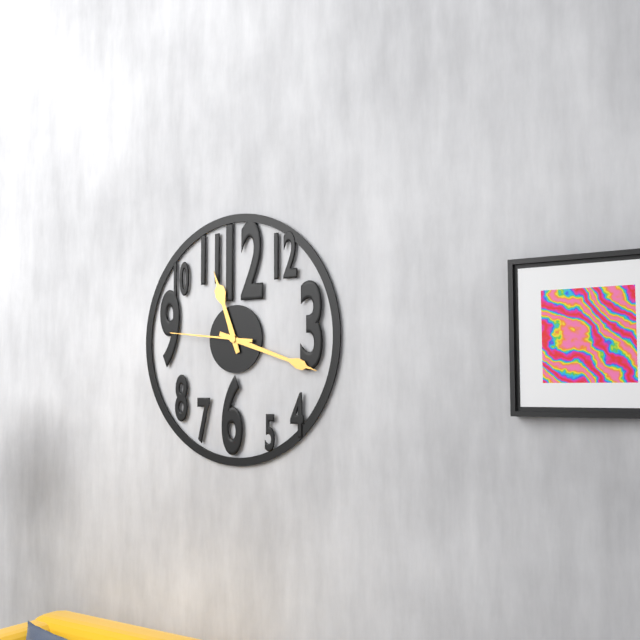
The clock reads 11.18.46
